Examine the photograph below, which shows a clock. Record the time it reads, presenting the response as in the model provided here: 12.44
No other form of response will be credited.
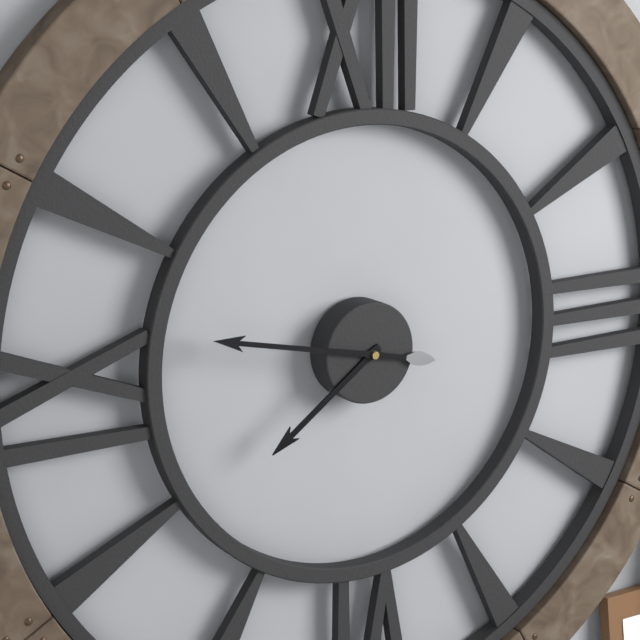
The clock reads 7.47
